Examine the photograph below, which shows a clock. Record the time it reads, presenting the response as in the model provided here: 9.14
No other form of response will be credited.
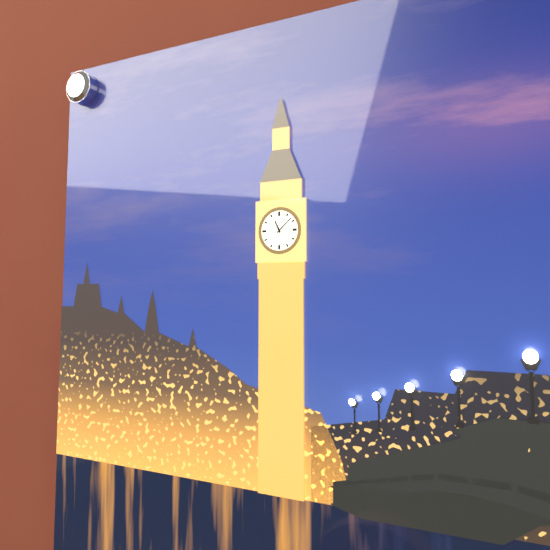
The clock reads 11.08
